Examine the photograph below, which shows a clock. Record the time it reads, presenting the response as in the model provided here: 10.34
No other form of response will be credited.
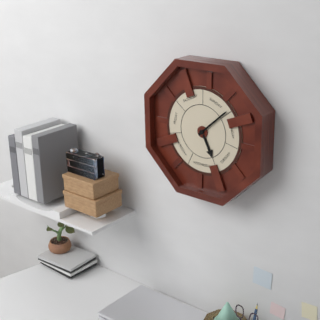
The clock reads 5.08
